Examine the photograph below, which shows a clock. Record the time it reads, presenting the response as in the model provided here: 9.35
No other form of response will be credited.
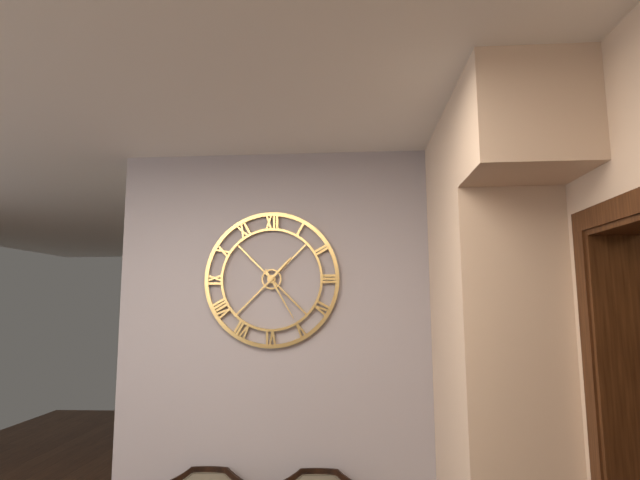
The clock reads 1.25
